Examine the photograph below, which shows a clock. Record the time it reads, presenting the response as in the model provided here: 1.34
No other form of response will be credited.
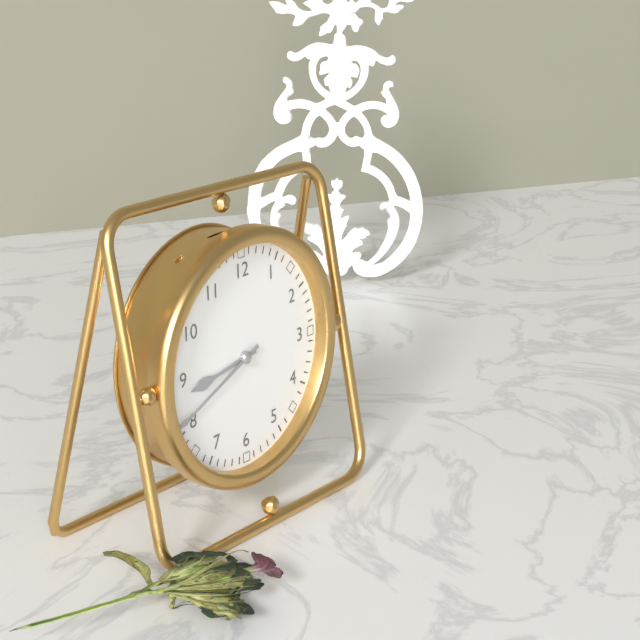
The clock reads 8.41
